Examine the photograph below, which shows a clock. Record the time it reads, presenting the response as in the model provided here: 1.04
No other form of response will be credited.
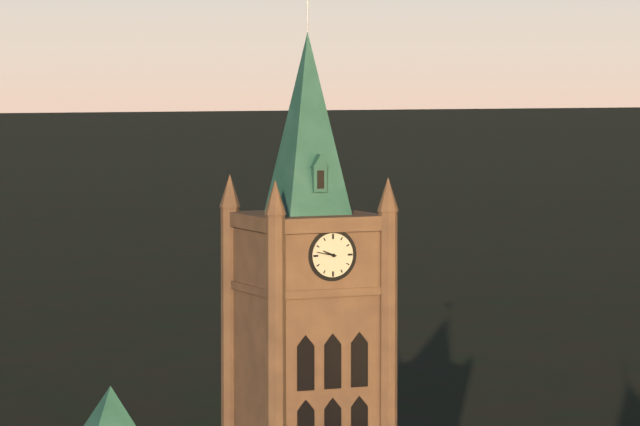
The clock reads 9.47
